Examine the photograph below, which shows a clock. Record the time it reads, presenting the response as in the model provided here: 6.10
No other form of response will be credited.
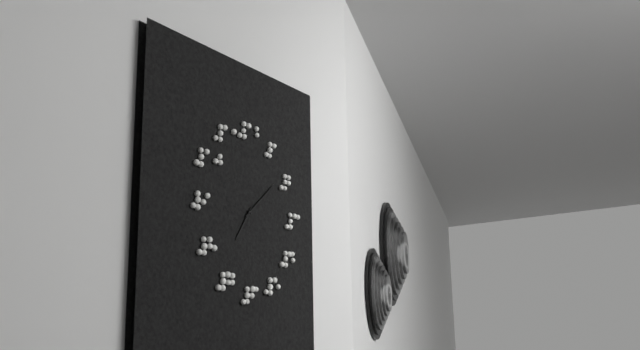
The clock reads 7.08
